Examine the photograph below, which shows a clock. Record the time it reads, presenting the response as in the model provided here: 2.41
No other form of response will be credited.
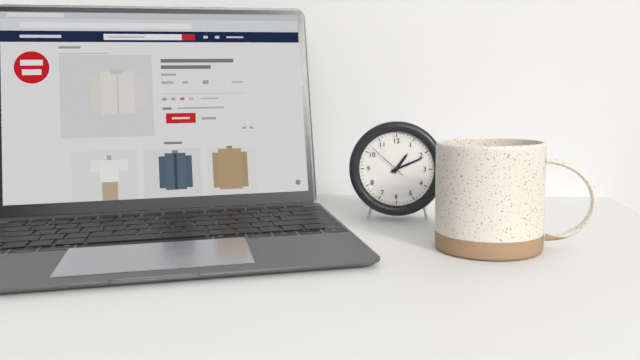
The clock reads 1.11
